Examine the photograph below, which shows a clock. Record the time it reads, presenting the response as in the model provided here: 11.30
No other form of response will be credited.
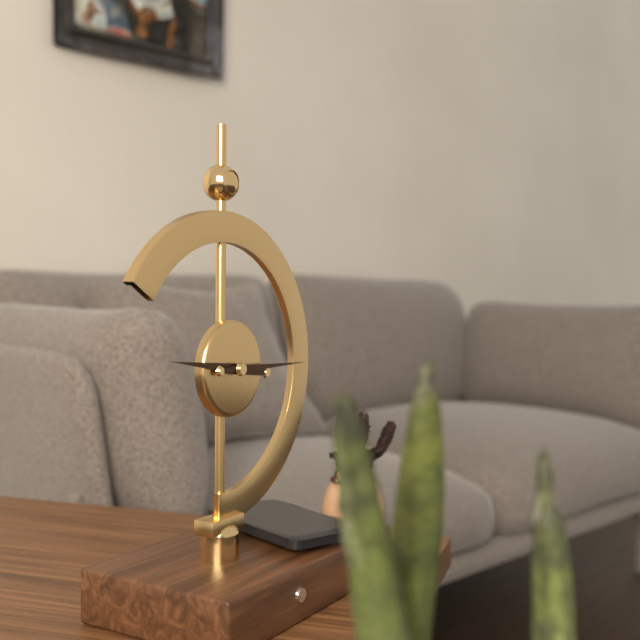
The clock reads 9.15
